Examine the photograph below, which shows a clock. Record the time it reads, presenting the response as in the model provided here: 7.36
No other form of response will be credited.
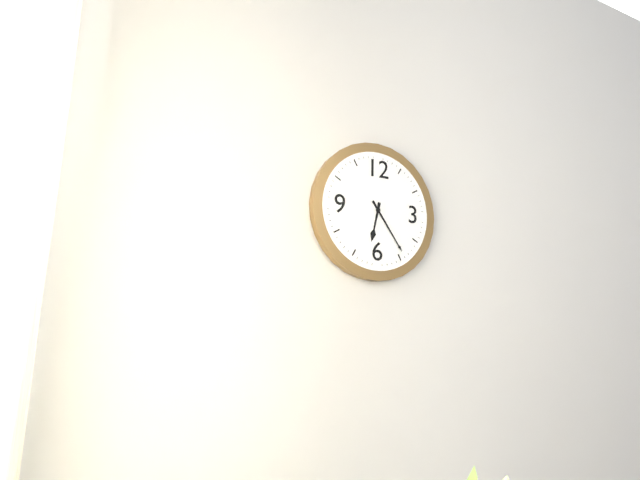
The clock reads 6.24
